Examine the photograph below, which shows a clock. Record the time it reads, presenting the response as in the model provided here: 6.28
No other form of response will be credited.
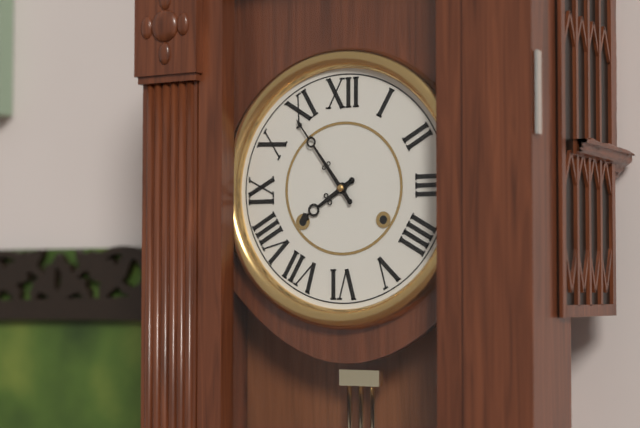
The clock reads 7.54
